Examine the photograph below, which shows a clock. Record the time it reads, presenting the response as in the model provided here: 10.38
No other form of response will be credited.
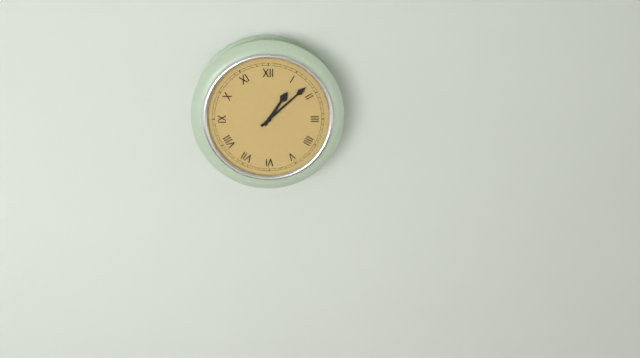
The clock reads 1.08
